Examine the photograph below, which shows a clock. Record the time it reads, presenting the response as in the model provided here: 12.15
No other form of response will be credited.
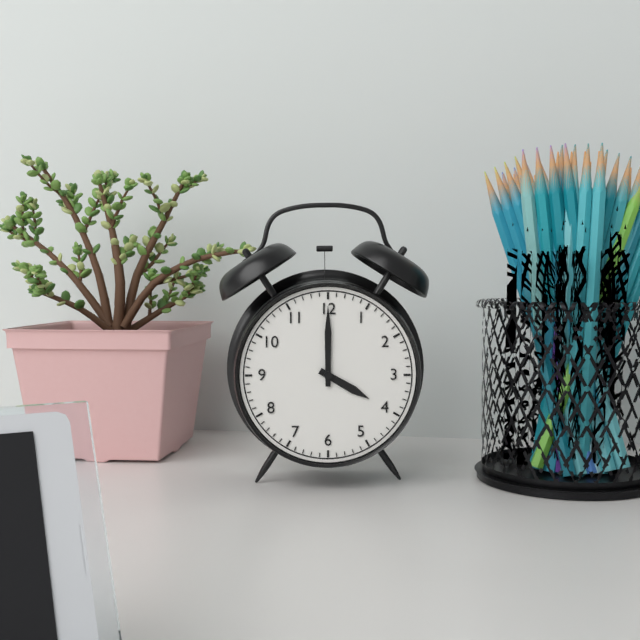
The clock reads 4.00
